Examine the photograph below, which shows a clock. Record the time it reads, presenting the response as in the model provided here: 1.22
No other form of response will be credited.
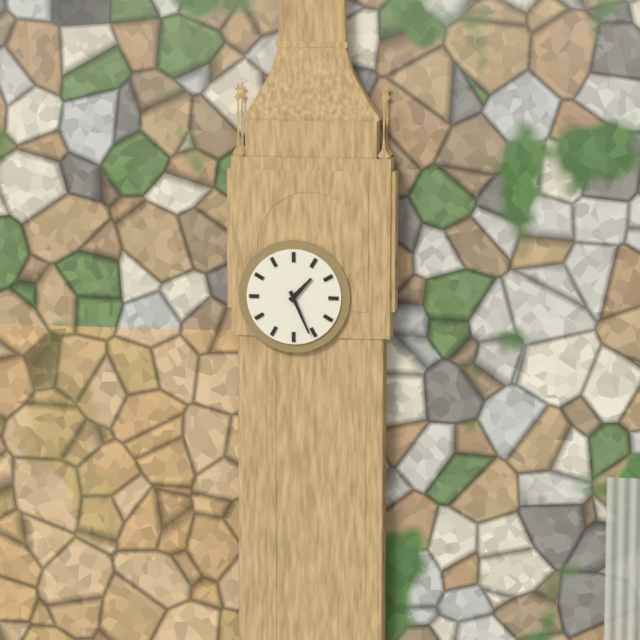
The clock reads 1.26
